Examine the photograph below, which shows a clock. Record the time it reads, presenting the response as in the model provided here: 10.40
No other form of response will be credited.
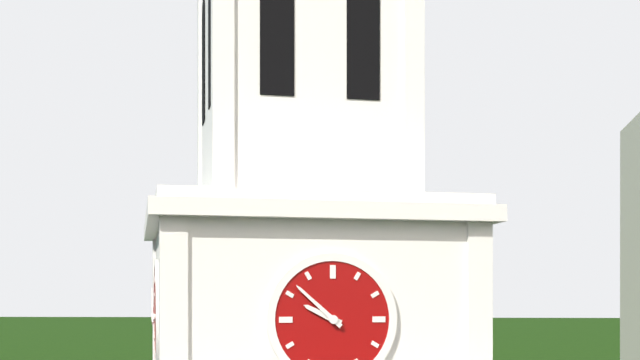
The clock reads 9.52
